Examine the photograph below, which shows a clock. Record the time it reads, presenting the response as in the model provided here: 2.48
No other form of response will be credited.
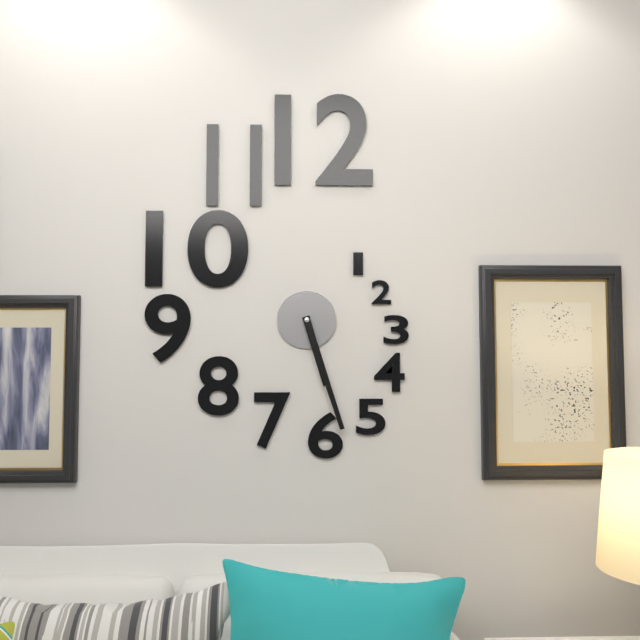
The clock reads 5.27
